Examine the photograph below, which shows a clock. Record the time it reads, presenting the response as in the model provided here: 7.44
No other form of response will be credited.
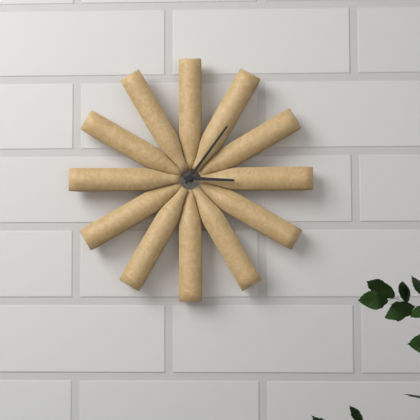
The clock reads 3.06
